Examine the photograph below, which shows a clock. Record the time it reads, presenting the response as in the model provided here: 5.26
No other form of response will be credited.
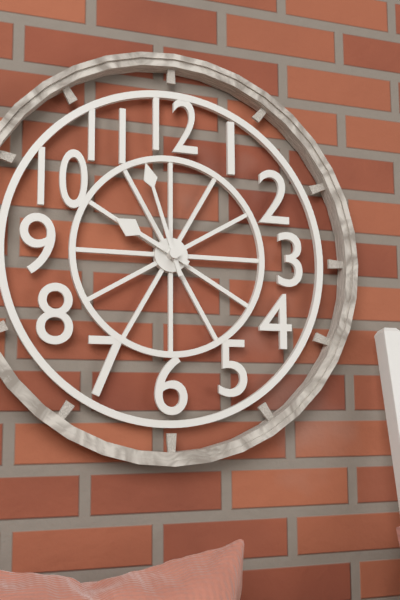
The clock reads 9.57
